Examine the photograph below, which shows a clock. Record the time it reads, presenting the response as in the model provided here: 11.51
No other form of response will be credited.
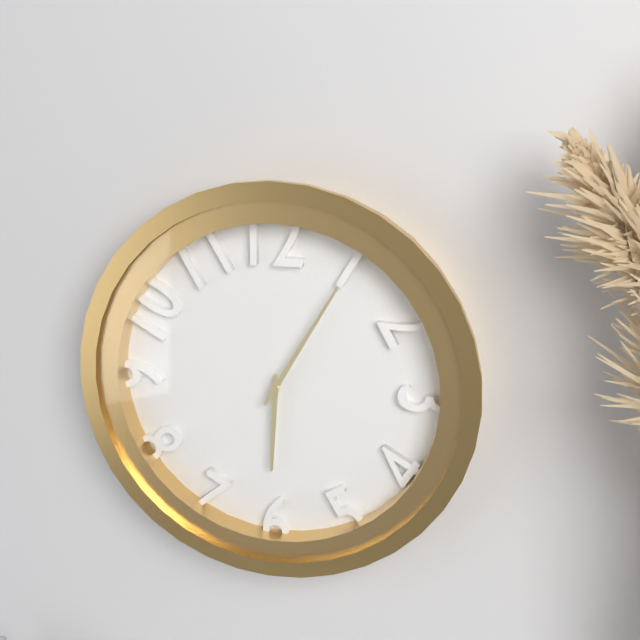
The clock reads 6.05
